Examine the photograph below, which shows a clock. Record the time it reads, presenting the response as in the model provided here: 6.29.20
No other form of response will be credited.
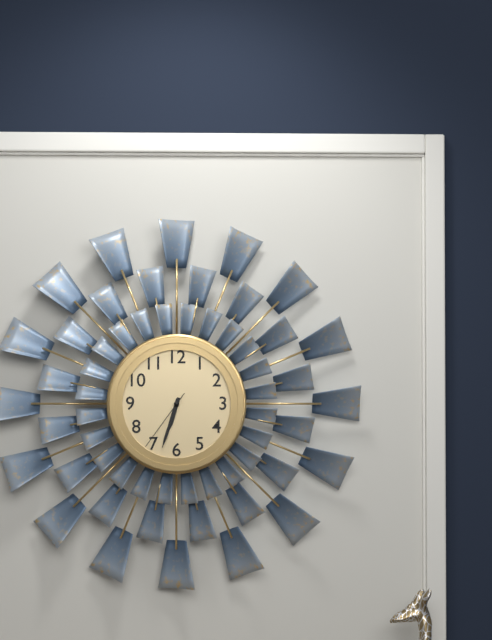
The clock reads 6.33.36
